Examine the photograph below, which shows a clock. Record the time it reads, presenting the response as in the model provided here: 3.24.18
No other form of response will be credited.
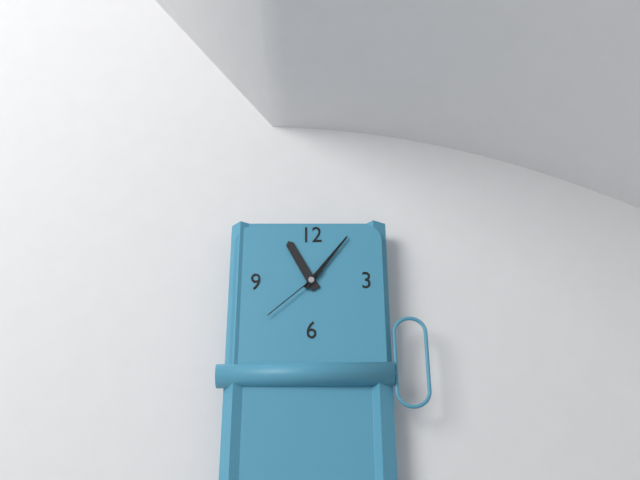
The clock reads 11.06.38
